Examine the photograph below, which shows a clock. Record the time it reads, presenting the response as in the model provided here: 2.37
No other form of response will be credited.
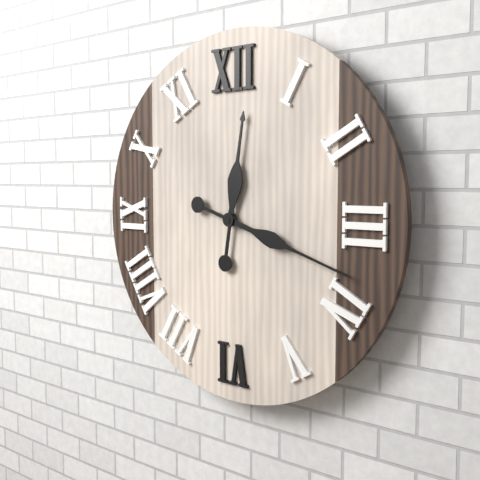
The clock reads 12.18
